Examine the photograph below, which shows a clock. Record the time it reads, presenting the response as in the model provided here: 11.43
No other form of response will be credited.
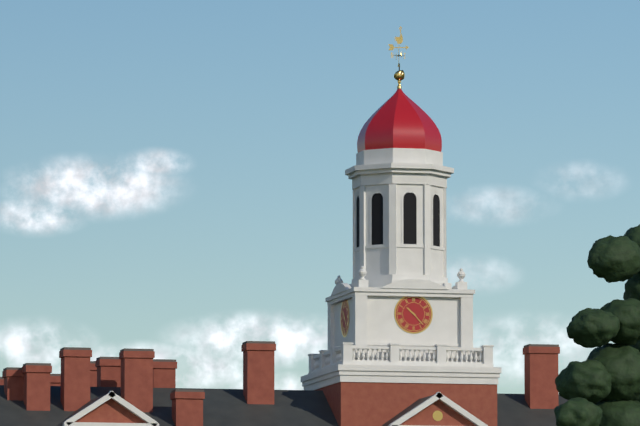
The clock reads 10.23
